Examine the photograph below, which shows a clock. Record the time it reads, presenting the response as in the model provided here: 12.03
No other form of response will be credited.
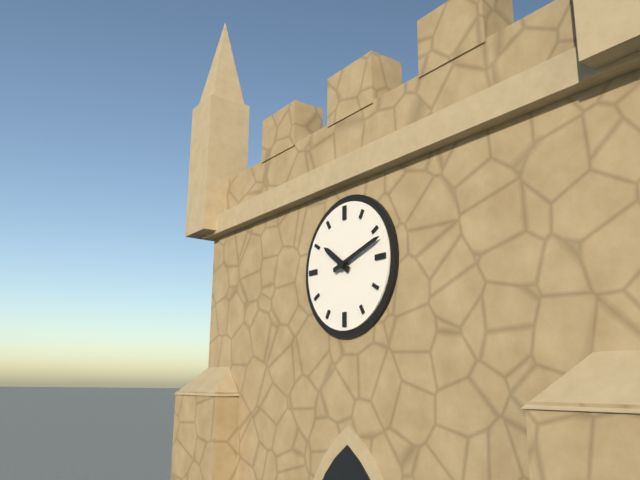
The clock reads 10.12
